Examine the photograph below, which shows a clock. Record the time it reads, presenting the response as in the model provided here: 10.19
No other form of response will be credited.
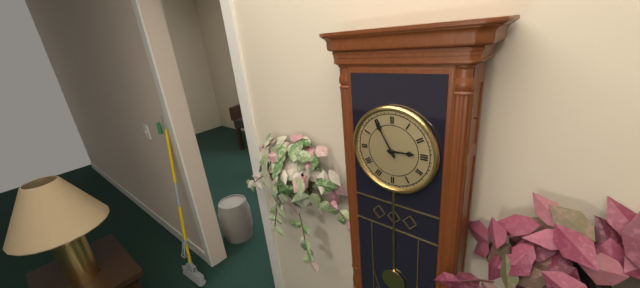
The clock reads 2.55
